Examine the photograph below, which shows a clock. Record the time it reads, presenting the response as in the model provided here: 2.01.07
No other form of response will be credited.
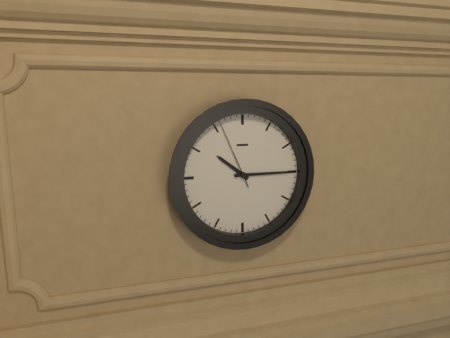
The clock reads 10.15.56
